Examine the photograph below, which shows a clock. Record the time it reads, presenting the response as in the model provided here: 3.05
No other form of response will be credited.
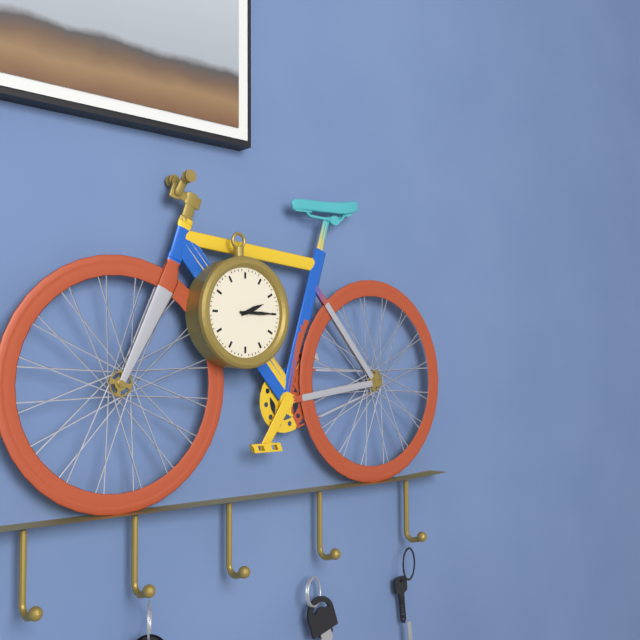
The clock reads 2.15
